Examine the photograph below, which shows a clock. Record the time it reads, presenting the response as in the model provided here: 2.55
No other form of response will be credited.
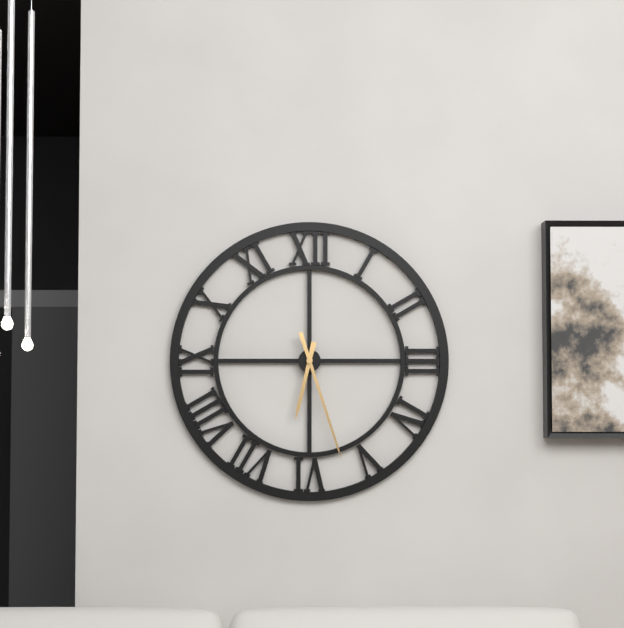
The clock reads 6.27
